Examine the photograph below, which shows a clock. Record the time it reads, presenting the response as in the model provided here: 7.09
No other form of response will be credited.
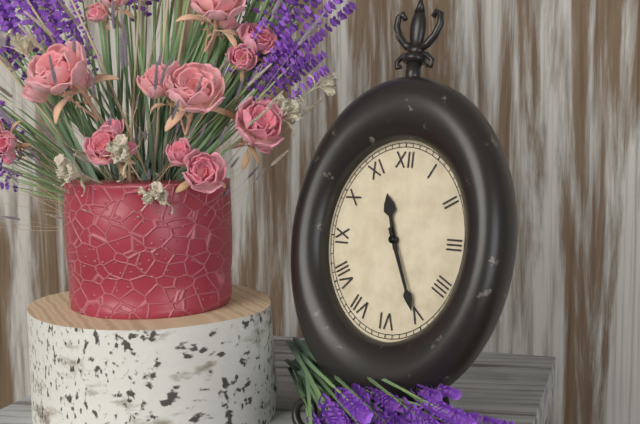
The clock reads 11.26
